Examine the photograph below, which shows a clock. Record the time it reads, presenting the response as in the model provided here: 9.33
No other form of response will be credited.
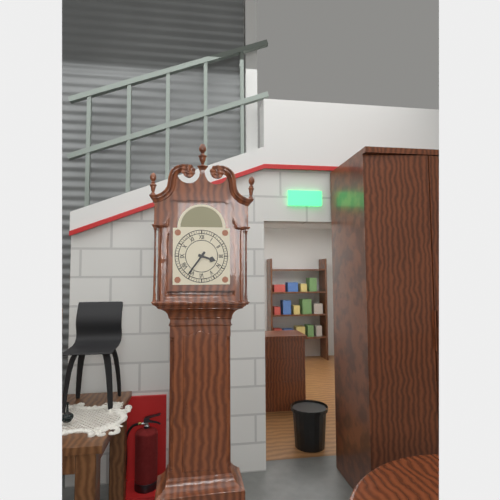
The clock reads 3.36
